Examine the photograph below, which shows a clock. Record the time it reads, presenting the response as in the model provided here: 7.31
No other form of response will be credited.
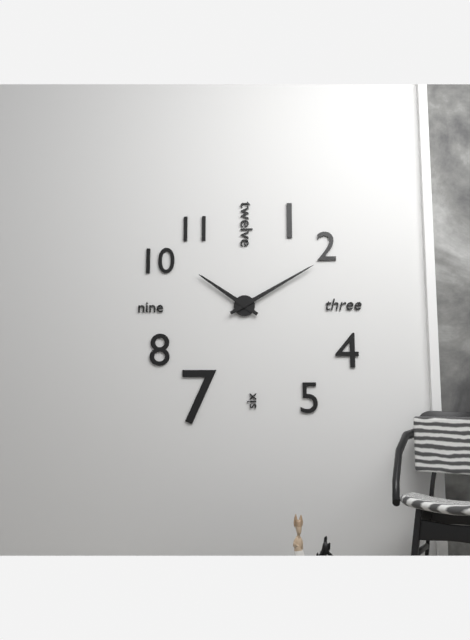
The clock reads 10.10
